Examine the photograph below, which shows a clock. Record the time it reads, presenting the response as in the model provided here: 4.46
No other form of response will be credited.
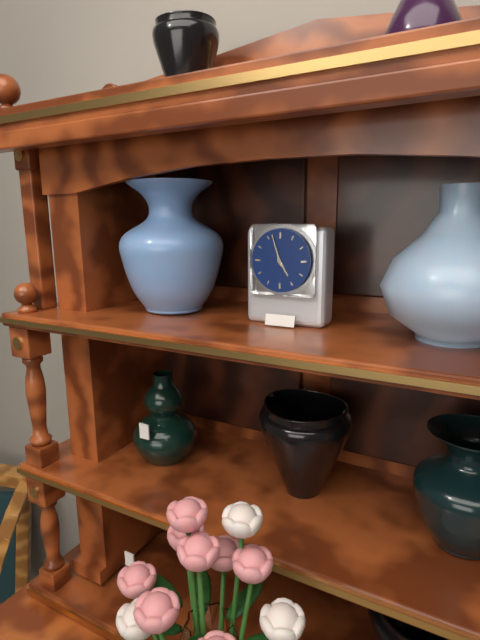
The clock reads 4.57
